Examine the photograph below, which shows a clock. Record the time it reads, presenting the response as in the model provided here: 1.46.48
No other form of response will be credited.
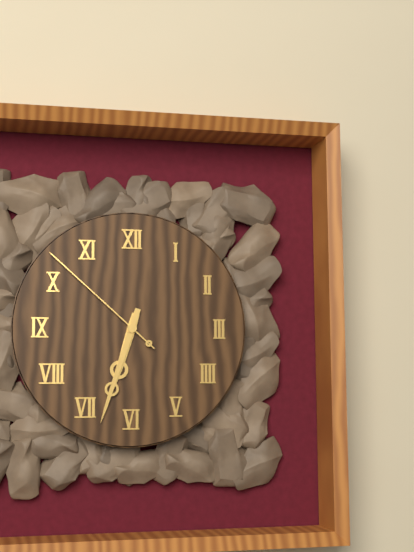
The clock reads 6.33.52
